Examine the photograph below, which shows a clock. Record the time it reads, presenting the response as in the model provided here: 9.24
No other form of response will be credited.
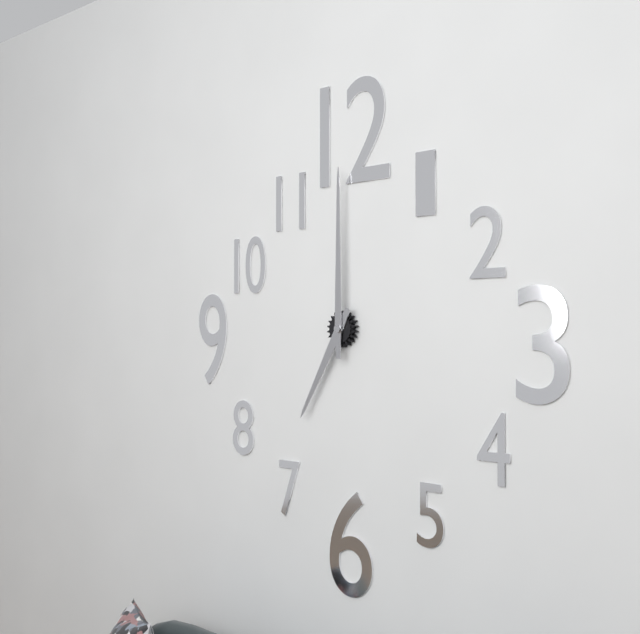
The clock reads 7.00
